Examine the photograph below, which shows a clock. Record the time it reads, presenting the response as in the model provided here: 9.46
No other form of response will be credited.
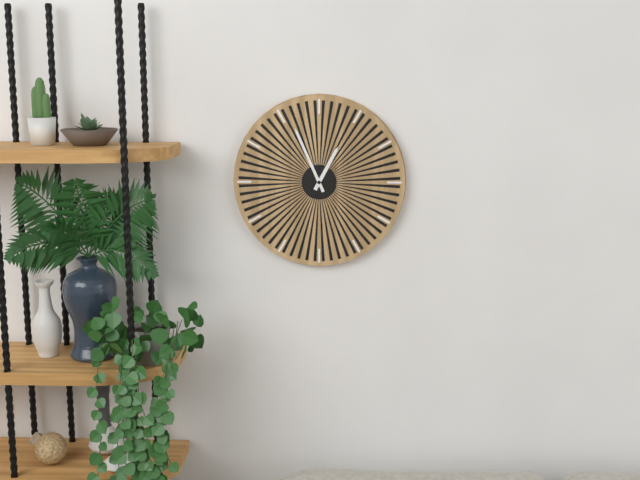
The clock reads 12.56
